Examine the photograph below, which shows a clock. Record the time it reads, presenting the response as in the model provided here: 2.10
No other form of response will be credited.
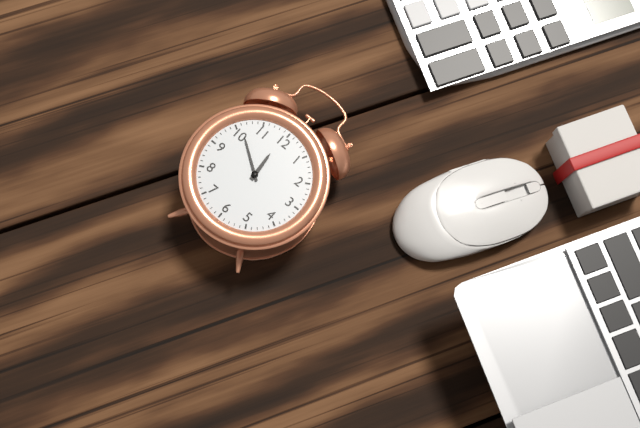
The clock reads 11.51
